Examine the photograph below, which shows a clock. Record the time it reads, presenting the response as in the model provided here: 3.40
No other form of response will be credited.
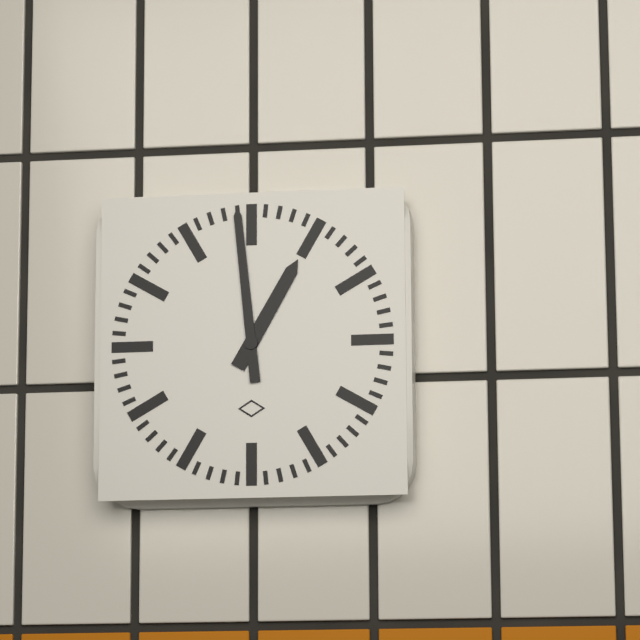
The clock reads 12.59
